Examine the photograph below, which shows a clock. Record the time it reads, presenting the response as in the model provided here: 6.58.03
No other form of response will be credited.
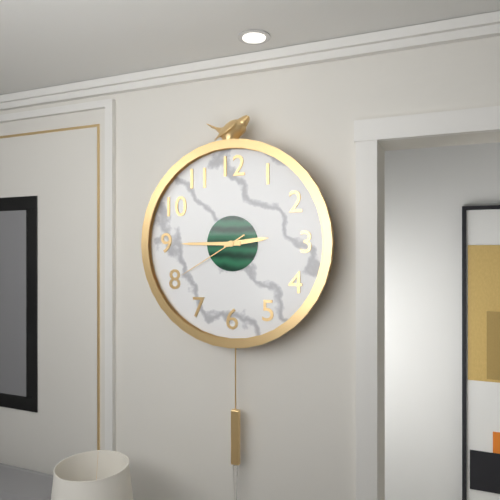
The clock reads 2.45.40
